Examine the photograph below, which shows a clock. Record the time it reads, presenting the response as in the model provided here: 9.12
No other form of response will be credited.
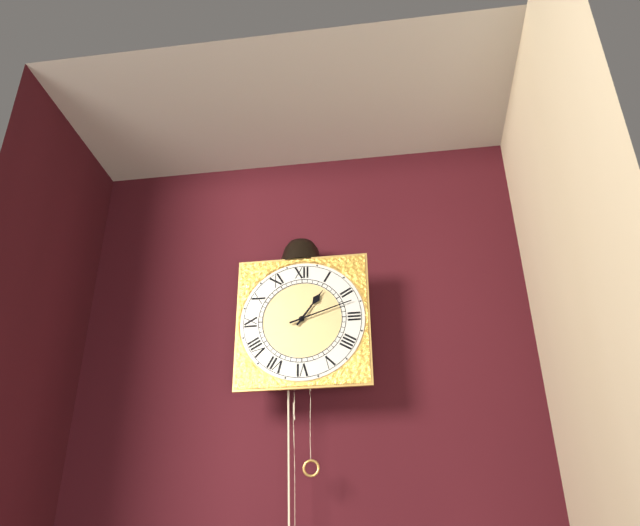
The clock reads 1.12
